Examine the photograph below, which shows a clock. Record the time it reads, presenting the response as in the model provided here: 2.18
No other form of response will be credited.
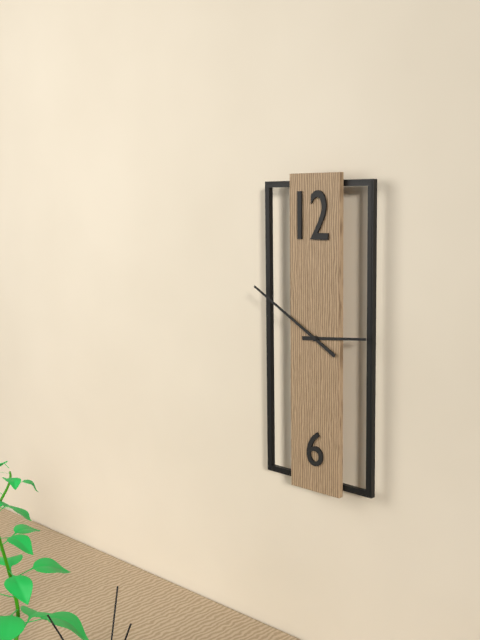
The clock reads 2.50
